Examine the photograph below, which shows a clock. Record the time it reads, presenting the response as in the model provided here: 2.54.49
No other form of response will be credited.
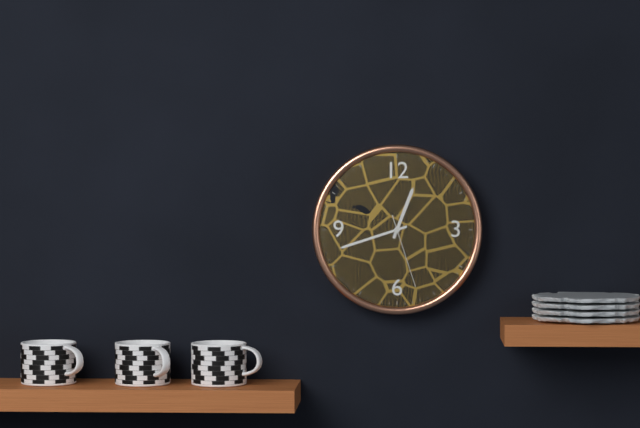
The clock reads 12.42.27
